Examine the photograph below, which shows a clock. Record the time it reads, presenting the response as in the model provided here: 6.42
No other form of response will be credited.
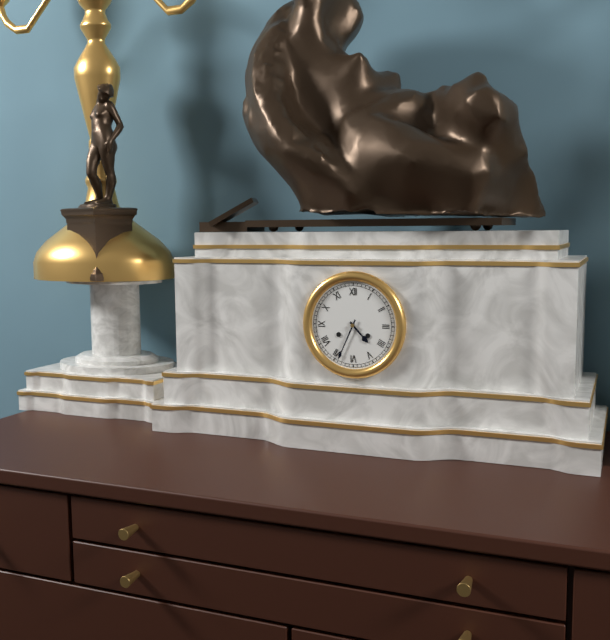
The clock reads 4.34
